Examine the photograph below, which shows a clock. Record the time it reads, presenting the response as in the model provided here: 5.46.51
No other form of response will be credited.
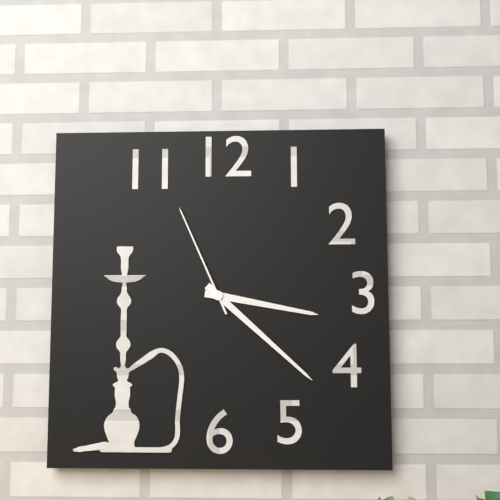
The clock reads 3.22.56
